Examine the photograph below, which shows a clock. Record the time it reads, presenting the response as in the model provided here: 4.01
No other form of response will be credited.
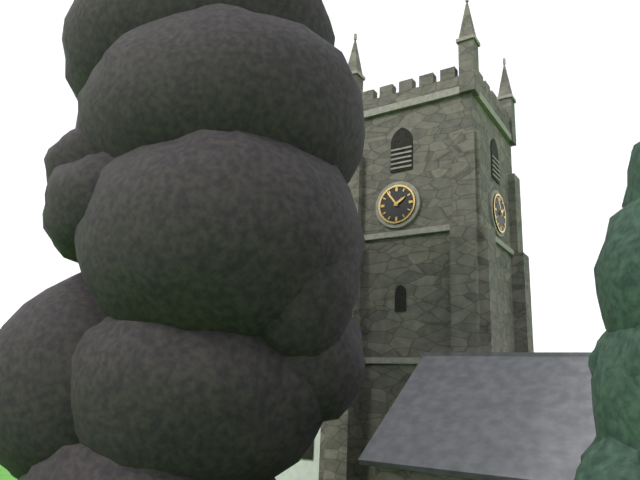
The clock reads 1.54
